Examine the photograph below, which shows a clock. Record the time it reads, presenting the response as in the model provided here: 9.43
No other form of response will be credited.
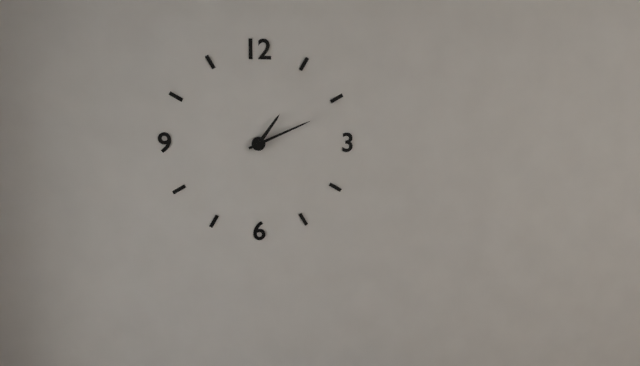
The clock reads 1.11
